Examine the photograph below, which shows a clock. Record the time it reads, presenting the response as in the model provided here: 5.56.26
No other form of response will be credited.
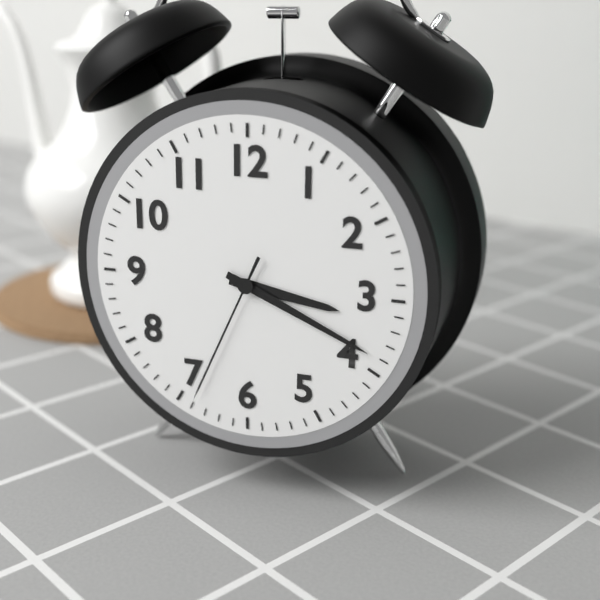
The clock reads 3.19.34
